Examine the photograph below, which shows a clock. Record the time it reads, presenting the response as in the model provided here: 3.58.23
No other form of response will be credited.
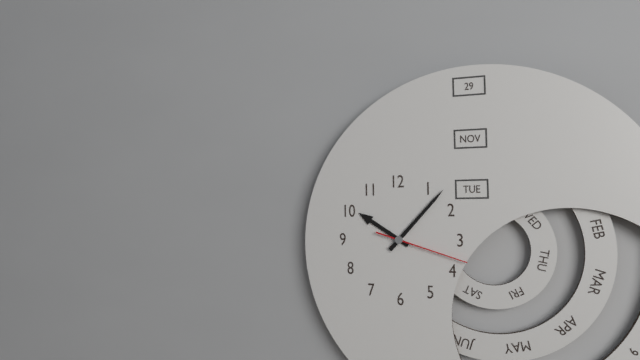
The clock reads 10.07.18
